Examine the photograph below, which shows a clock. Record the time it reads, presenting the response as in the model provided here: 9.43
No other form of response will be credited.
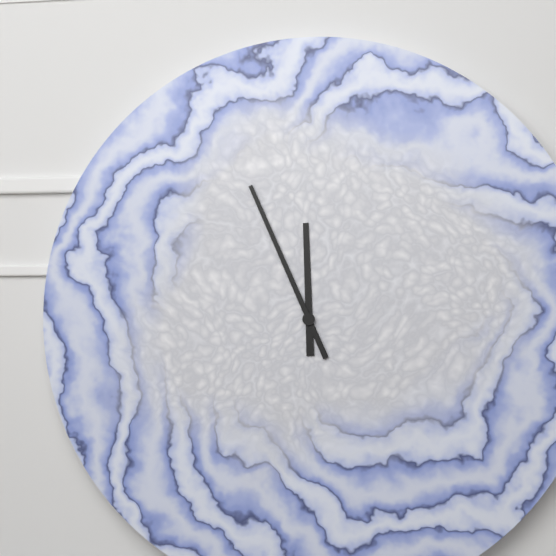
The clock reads 11.56
